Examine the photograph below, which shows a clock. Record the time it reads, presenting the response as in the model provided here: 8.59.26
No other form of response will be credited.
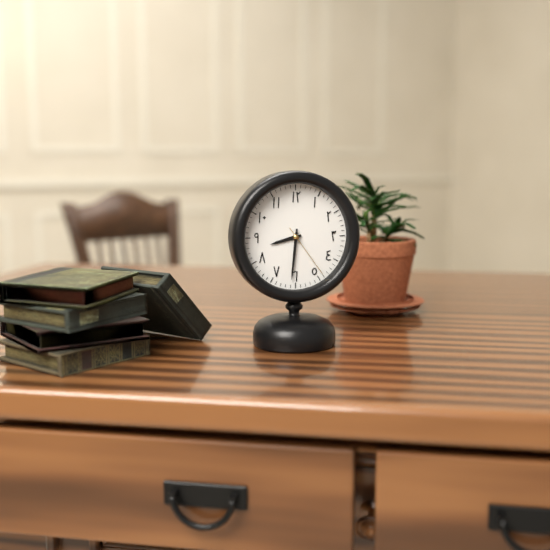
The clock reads 8.31.24
